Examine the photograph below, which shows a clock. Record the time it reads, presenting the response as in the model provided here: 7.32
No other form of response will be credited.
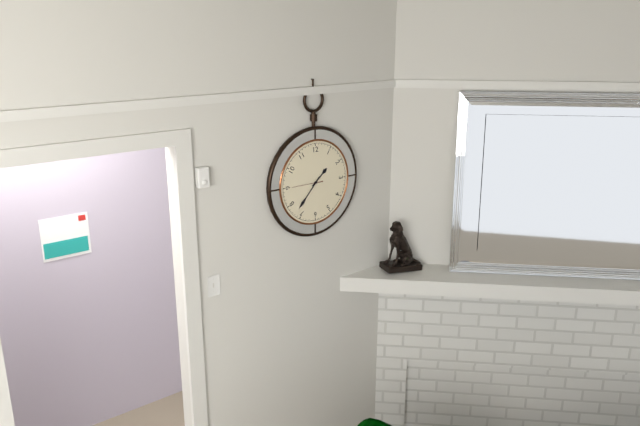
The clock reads 1.37
